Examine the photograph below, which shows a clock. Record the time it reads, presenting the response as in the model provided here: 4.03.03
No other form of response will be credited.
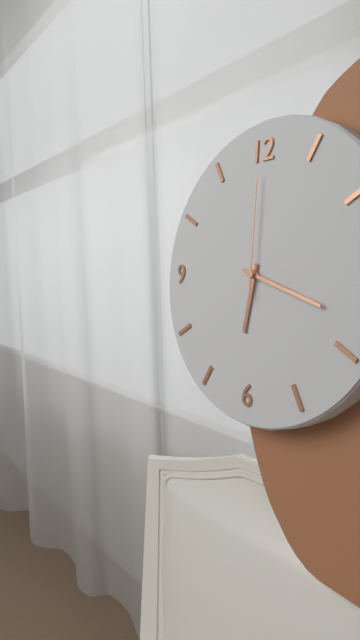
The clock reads 6.18.00
